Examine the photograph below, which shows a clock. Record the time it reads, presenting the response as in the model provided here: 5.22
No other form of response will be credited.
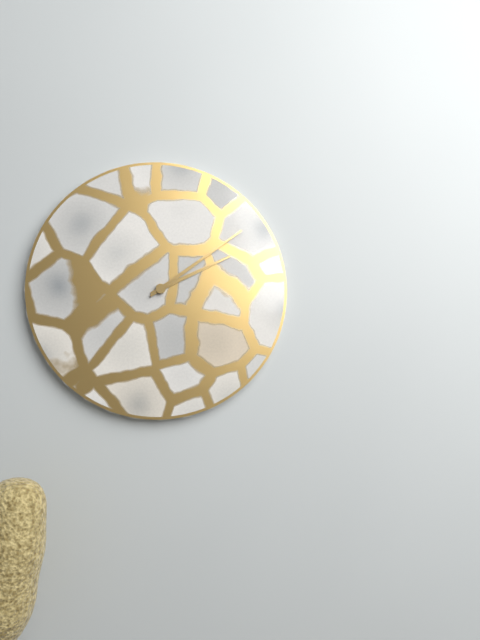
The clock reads 2.09
